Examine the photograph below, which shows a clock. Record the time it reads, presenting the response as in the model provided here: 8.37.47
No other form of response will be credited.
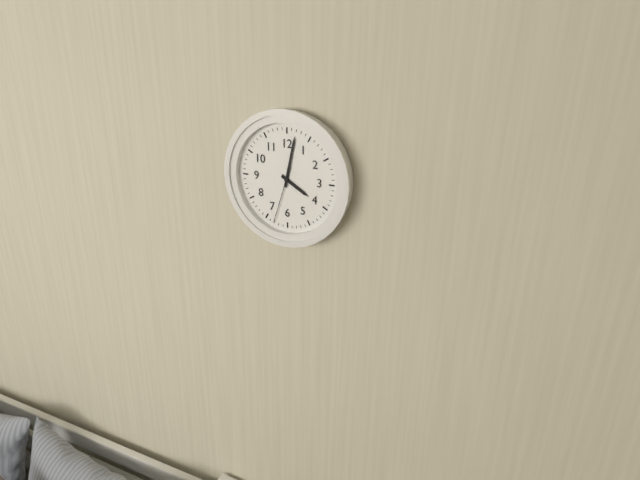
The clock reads 4.02.33
